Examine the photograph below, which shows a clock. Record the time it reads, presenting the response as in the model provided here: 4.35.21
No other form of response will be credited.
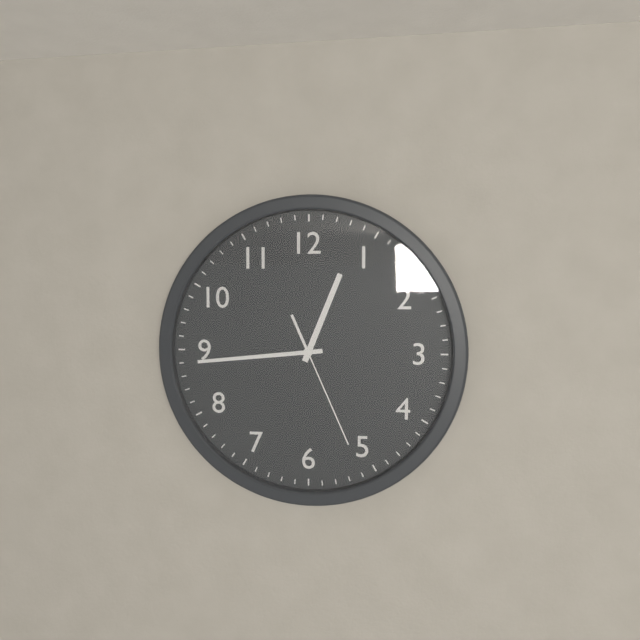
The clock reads 12.44.26
